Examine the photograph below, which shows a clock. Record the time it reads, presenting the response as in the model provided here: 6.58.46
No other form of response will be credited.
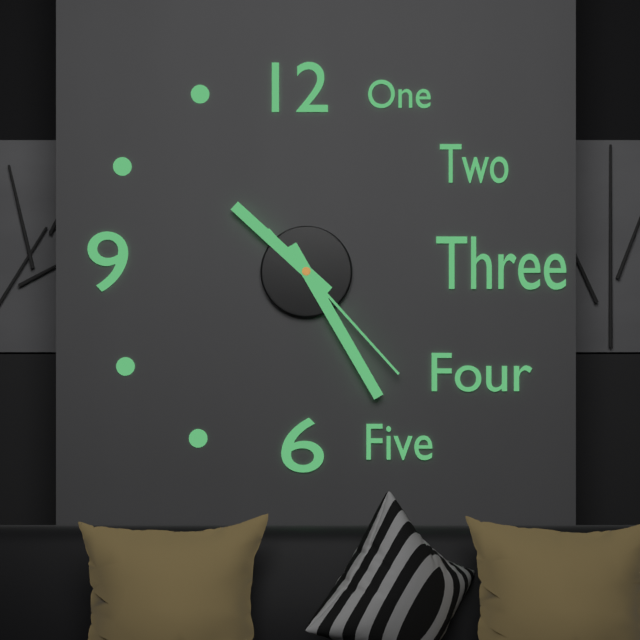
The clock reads 10.25.23
